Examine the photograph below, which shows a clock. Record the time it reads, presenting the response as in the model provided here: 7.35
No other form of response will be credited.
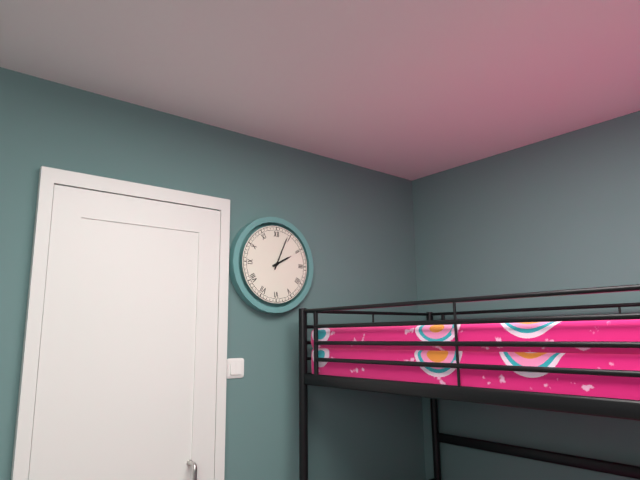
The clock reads 2.04
